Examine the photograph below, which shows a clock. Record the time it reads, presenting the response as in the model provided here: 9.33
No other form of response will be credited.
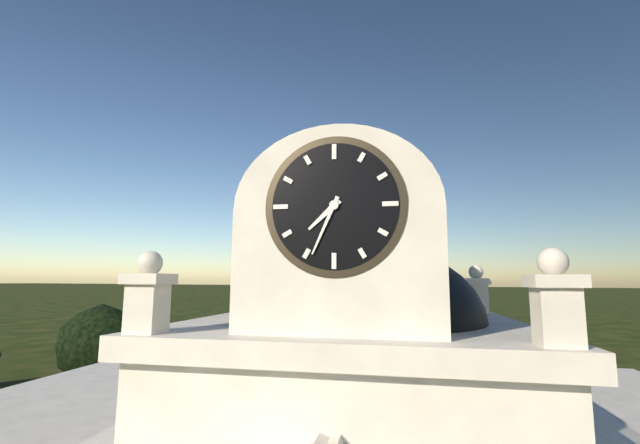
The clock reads 7.34
